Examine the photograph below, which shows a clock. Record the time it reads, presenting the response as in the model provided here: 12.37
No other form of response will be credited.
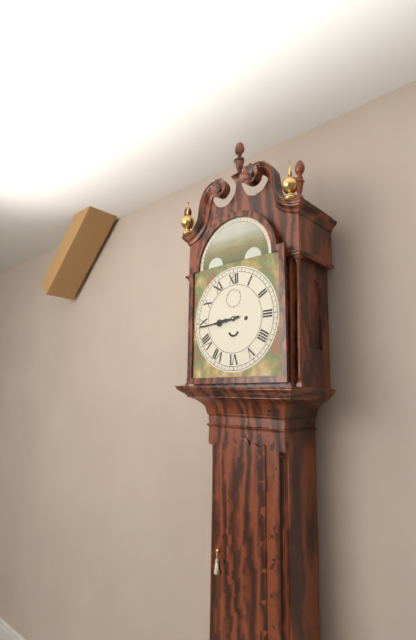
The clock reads 8.44
